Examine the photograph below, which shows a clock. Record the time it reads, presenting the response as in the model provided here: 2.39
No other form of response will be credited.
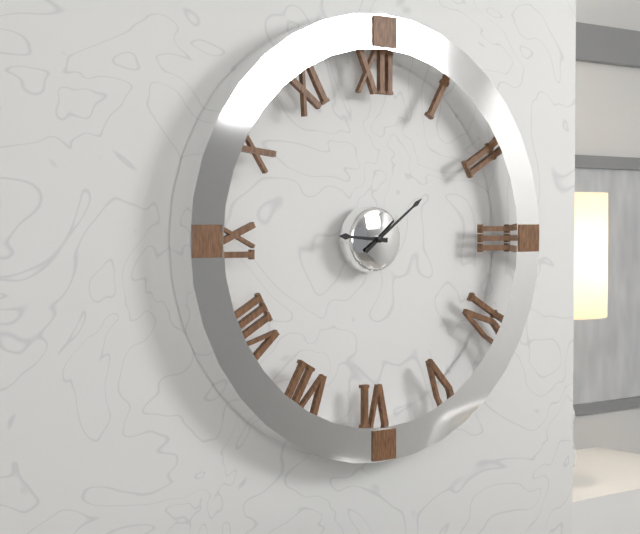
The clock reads 9.09
